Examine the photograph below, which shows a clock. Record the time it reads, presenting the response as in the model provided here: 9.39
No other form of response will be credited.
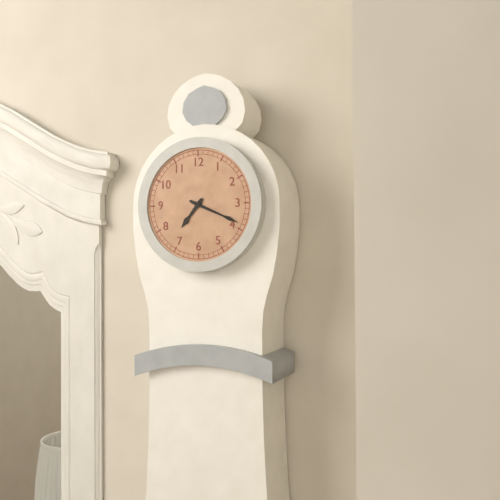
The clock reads 7.19
